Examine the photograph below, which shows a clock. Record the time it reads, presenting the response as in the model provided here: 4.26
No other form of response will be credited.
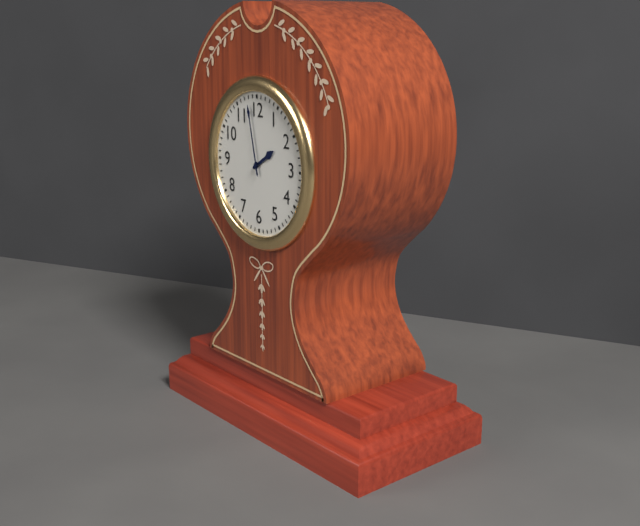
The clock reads 1.58
